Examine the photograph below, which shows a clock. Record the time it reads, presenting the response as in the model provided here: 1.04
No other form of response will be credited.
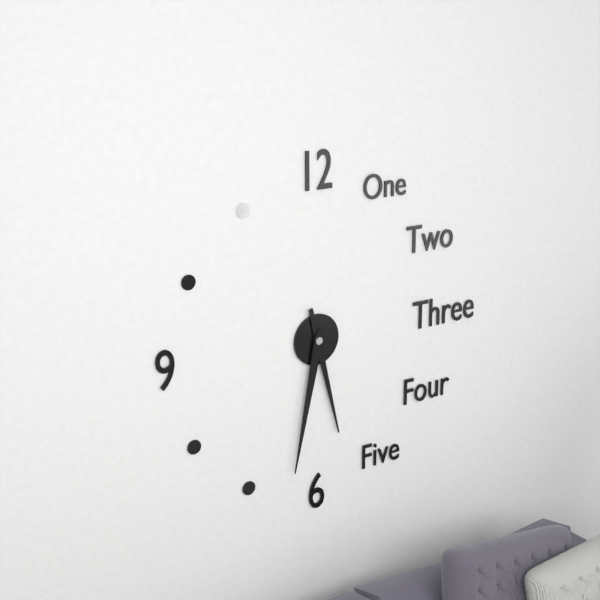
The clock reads 5.32
